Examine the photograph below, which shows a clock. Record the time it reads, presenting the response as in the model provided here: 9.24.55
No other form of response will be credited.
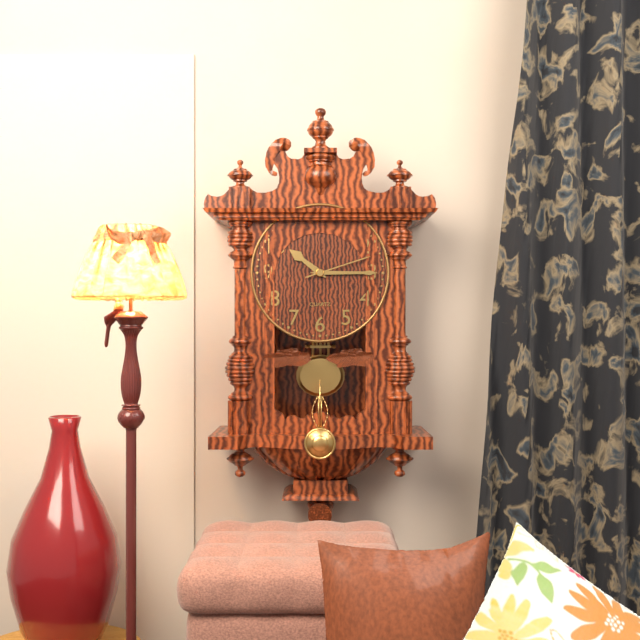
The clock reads 10.15.12
